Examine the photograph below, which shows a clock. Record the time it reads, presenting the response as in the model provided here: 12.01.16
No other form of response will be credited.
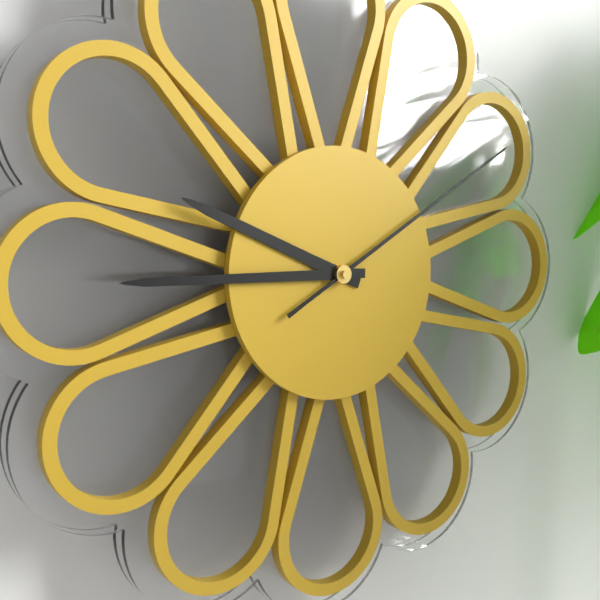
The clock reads 9.45.10
